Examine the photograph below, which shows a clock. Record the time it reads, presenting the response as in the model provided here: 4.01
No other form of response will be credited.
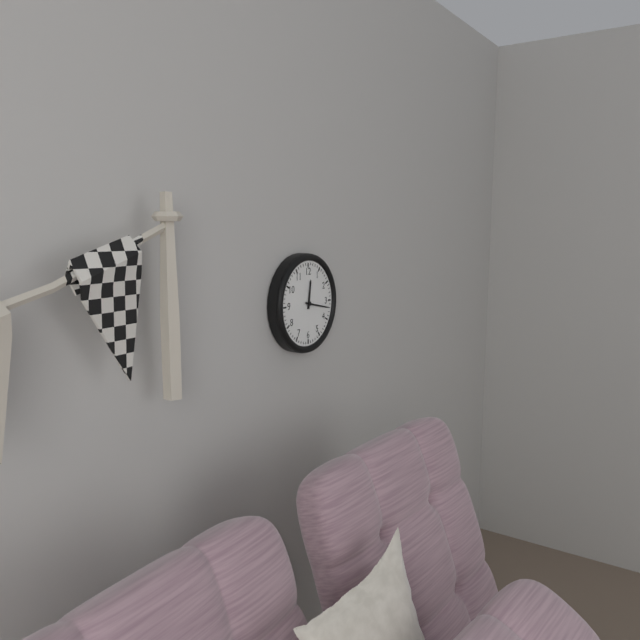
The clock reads 12.17
